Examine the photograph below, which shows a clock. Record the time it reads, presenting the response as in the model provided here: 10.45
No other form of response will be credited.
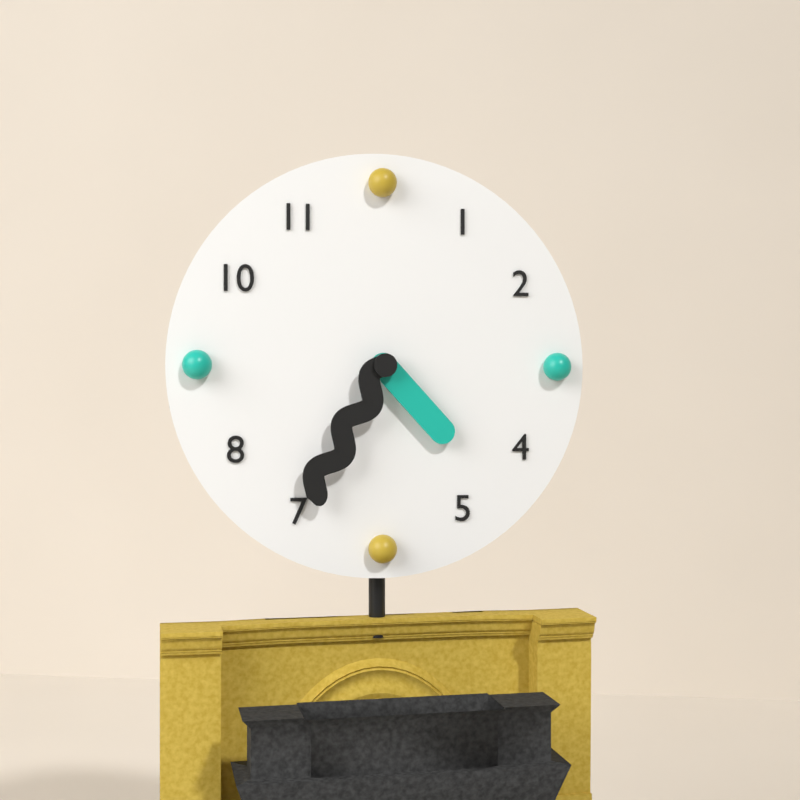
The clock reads 4.35
